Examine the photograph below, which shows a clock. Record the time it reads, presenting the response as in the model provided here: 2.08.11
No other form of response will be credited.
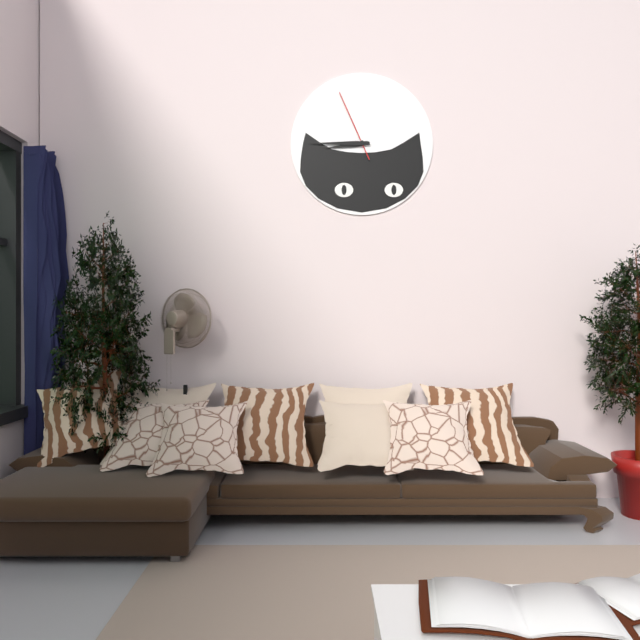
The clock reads 8.45.56
